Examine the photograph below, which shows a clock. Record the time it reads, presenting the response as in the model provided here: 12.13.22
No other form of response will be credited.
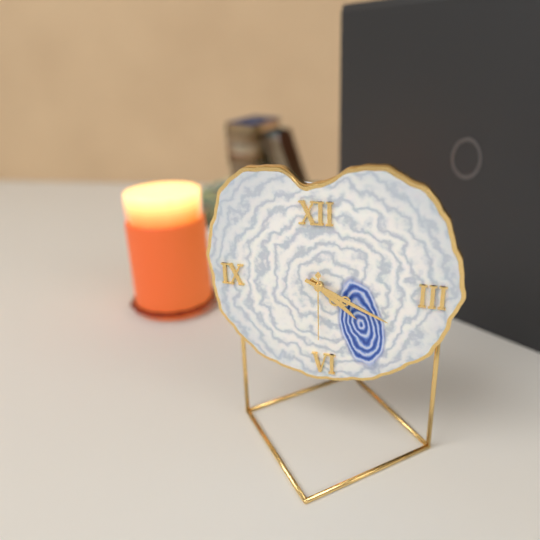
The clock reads 4.19.30
